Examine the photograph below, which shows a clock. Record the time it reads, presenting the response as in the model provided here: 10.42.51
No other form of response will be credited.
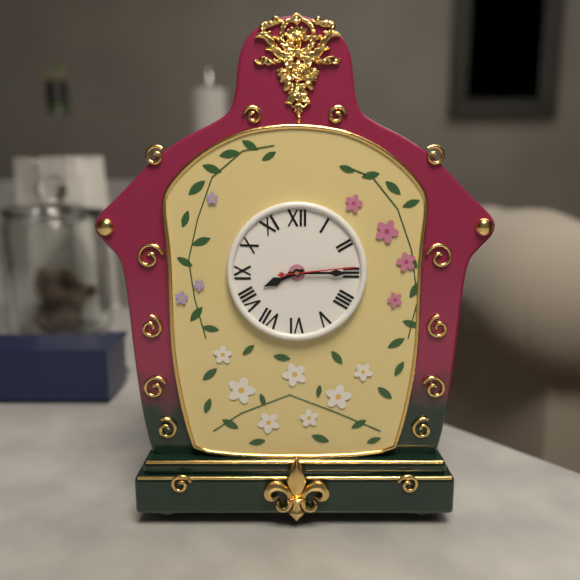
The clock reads 8.15.14
